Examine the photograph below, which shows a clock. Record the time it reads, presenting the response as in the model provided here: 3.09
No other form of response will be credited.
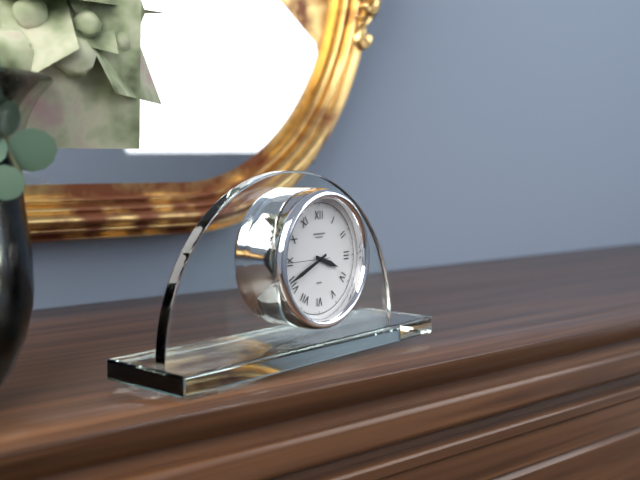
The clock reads 3.41
